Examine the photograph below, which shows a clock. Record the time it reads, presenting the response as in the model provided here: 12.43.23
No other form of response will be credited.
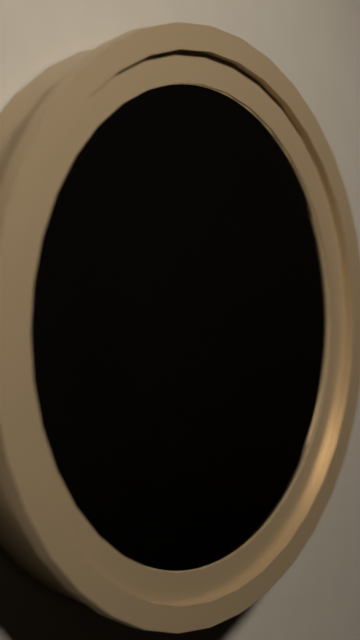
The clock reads 1.56.19
